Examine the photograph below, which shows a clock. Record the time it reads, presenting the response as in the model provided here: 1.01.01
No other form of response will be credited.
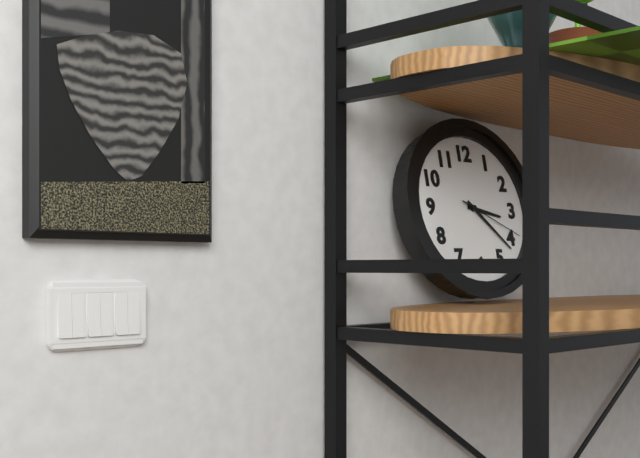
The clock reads 3.22.19
